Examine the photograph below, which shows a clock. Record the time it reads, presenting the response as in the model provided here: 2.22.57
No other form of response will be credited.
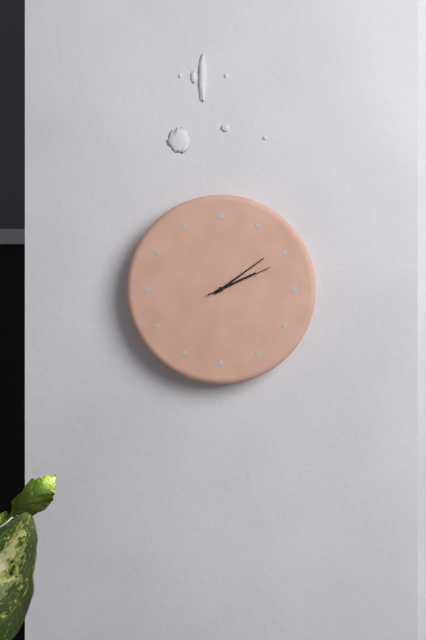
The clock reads 2.09.11
